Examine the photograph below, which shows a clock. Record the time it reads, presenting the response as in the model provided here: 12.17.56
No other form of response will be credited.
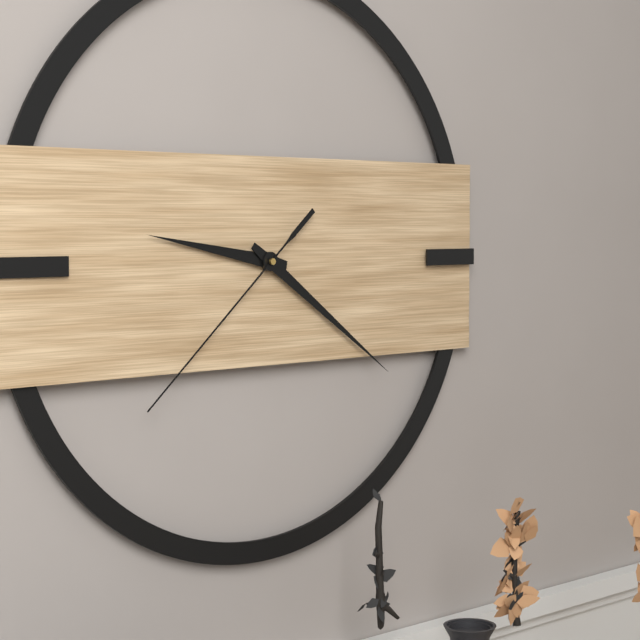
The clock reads 9.21.38
